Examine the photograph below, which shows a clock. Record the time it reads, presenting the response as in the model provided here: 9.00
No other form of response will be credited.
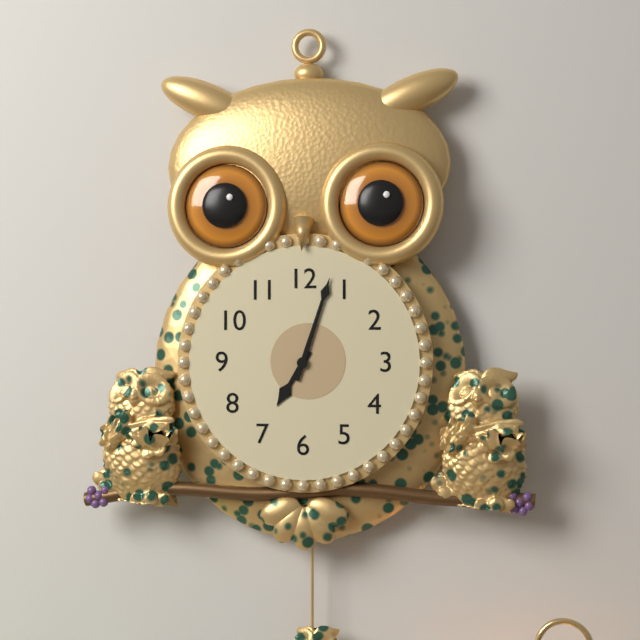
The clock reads 7.03
